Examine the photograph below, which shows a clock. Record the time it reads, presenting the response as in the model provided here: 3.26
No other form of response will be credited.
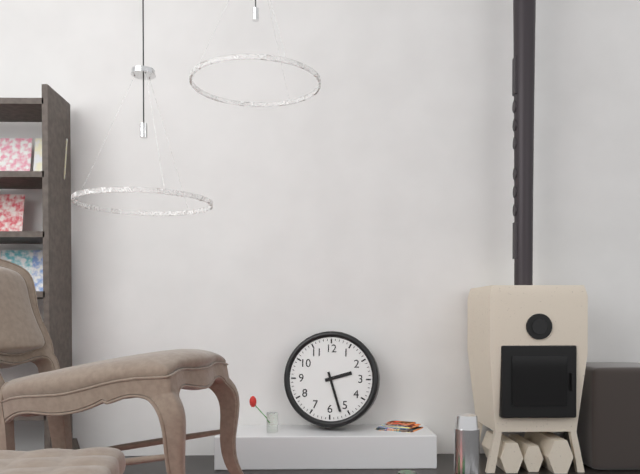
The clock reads 2.27
